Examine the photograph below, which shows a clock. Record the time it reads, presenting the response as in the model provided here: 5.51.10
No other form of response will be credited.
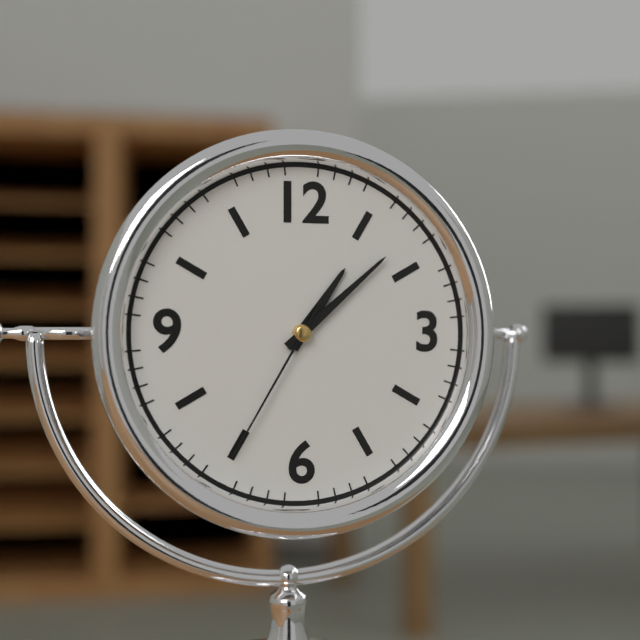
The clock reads 1.08.35
